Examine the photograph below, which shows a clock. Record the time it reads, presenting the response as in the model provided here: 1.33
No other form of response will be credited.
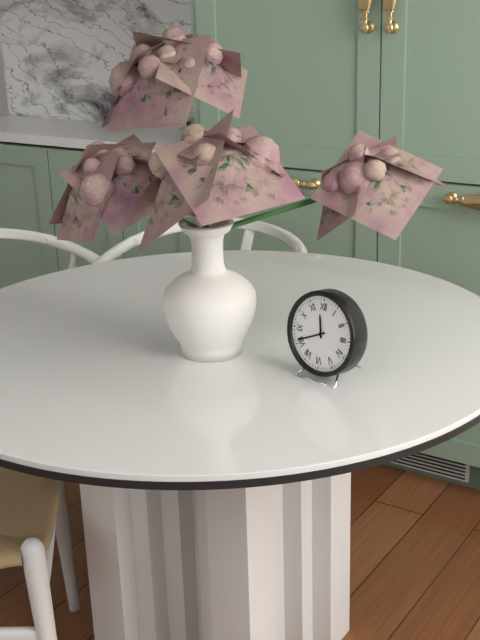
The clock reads 11.41
